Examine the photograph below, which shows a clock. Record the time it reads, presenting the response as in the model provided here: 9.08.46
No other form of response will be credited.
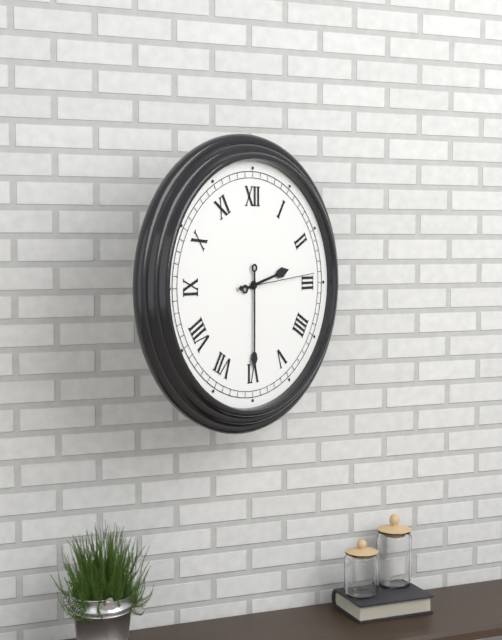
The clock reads 2.30.14
